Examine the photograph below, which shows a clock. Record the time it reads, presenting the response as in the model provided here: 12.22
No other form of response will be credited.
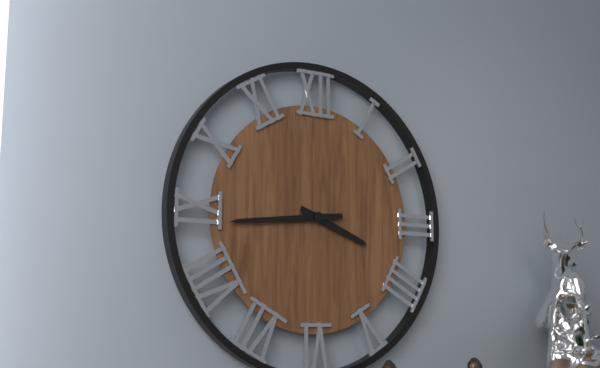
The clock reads 3.44
